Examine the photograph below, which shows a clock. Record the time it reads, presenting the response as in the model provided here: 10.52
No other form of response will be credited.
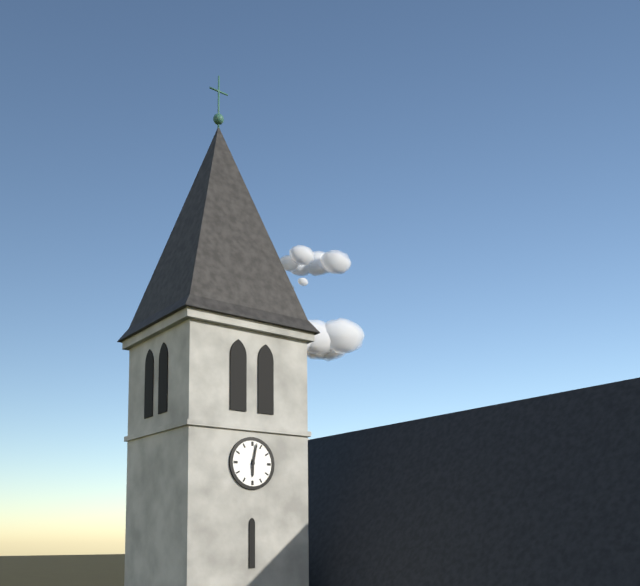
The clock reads 6.02
